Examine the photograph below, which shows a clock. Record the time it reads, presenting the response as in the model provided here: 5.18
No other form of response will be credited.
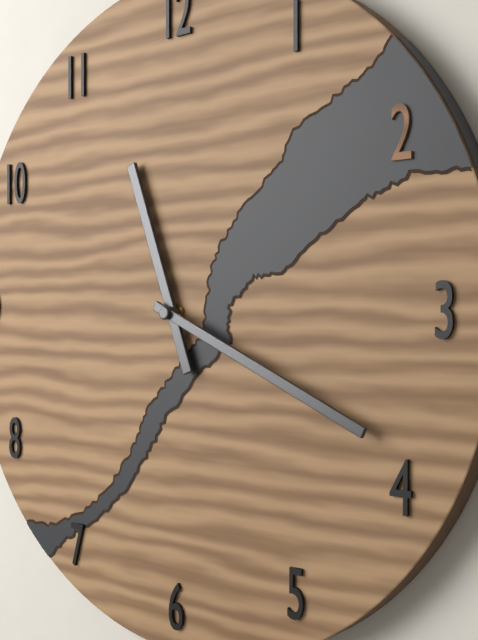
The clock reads 11.19
